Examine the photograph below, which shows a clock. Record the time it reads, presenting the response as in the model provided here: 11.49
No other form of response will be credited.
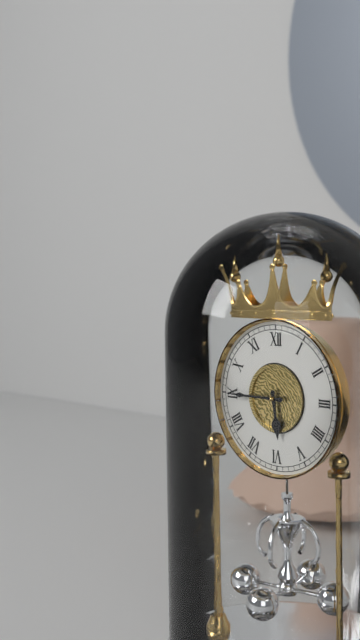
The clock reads 5.45
